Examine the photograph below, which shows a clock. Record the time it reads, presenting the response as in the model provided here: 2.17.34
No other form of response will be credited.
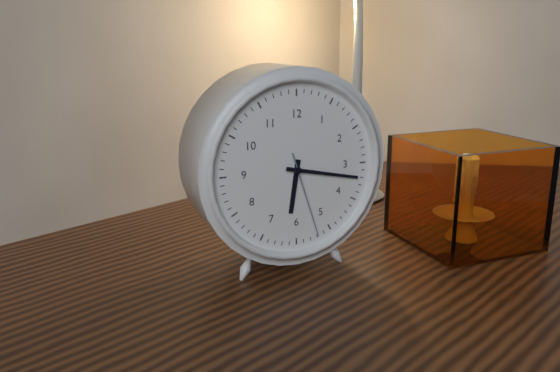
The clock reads 6.17.27
